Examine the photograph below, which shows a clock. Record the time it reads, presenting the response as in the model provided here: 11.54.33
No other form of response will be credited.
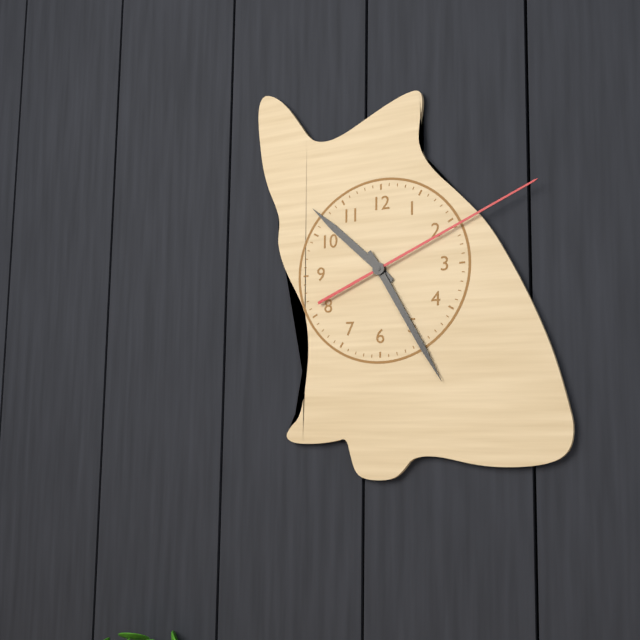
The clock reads 10.25.11
